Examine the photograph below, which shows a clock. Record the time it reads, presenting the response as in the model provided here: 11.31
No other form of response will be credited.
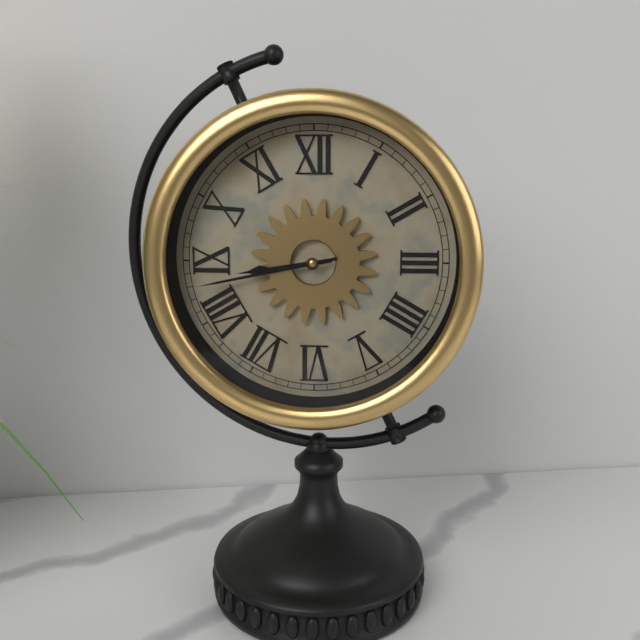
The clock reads 8.43
